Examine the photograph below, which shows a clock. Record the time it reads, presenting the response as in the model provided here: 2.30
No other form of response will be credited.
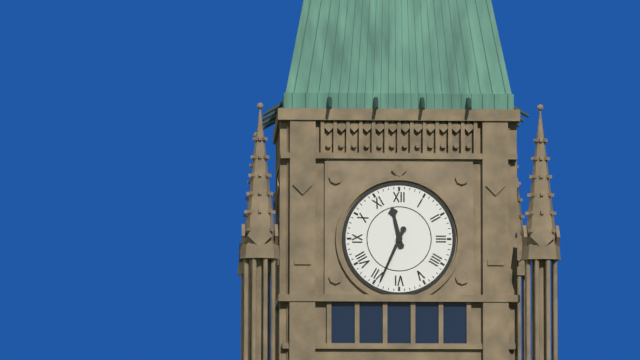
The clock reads 11.34
